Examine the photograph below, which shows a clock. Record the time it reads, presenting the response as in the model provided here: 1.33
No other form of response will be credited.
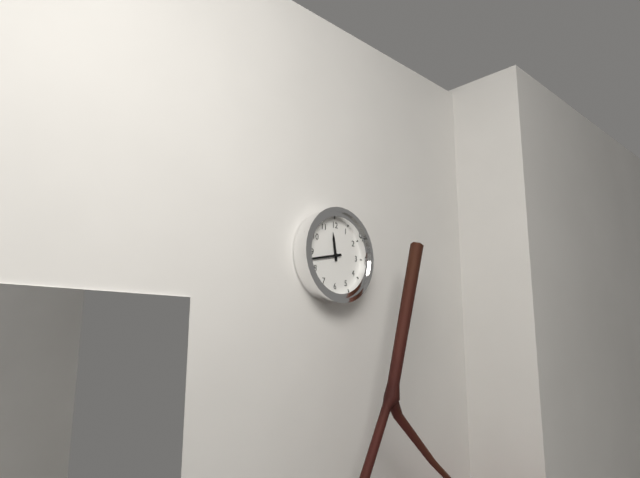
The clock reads 11.43
